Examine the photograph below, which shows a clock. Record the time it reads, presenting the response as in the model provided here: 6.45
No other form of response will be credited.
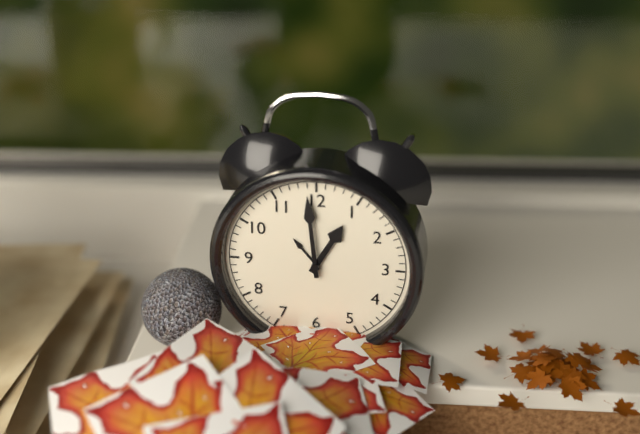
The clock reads 12.59
